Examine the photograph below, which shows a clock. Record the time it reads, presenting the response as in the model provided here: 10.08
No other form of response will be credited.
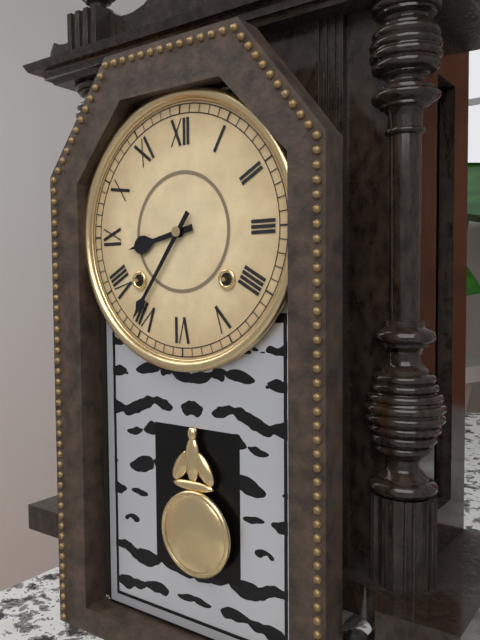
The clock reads 8.36
